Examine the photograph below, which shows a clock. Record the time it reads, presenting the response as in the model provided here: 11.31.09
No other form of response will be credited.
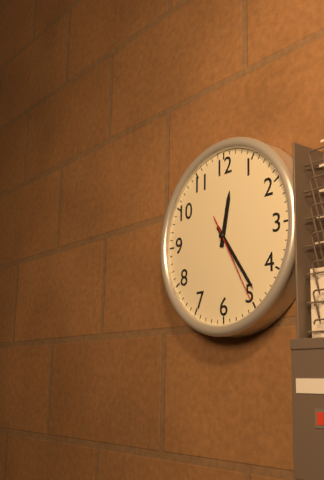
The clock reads 12.24.25
